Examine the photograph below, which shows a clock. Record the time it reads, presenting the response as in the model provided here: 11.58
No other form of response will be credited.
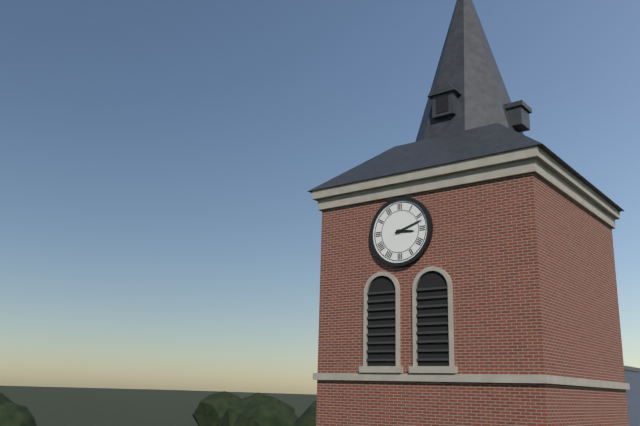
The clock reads 3.12
